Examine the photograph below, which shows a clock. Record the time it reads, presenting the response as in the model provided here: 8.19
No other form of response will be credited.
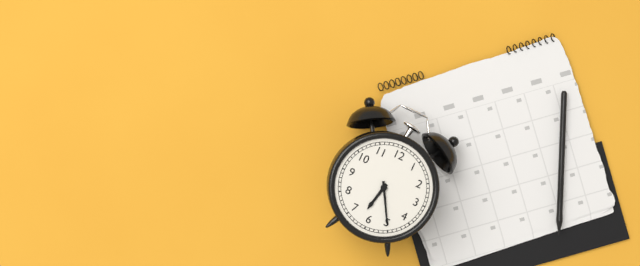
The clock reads 6.25
